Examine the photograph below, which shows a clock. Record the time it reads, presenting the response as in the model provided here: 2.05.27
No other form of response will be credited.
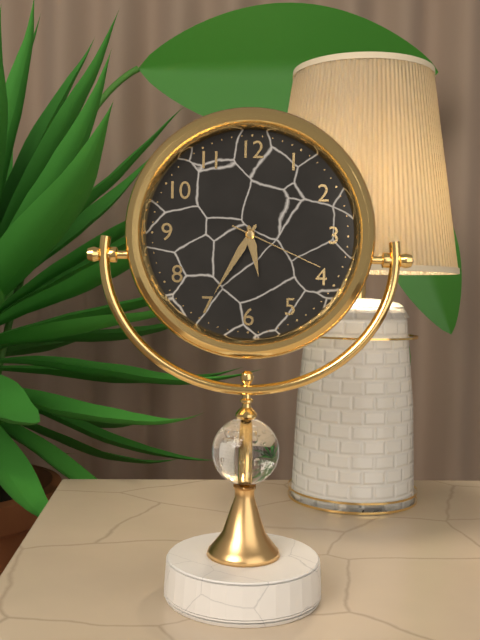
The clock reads 5.35.19
